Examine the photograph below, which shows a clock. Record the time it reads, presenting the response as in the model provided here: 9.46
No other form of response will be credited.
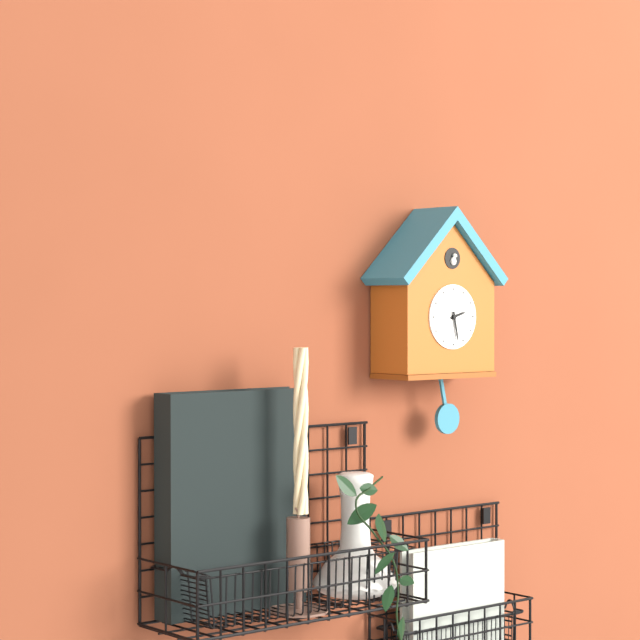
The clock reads 2.28
